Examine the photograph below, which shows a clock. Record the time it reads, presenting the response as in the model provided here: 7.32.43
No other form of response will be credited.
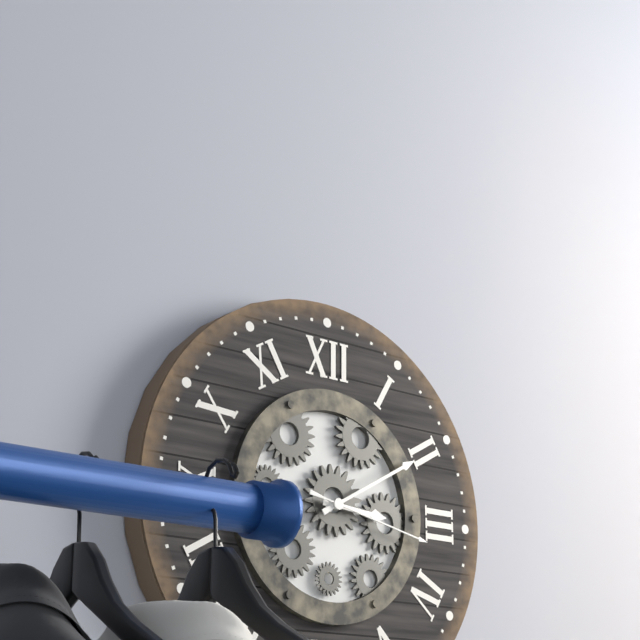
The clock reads 3.10.17
